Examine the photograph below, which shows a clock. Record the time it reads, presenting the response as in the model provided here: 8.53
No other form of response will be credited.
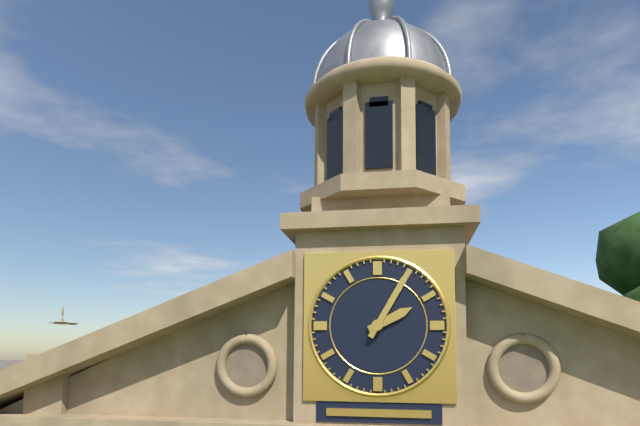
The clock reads 2.05
